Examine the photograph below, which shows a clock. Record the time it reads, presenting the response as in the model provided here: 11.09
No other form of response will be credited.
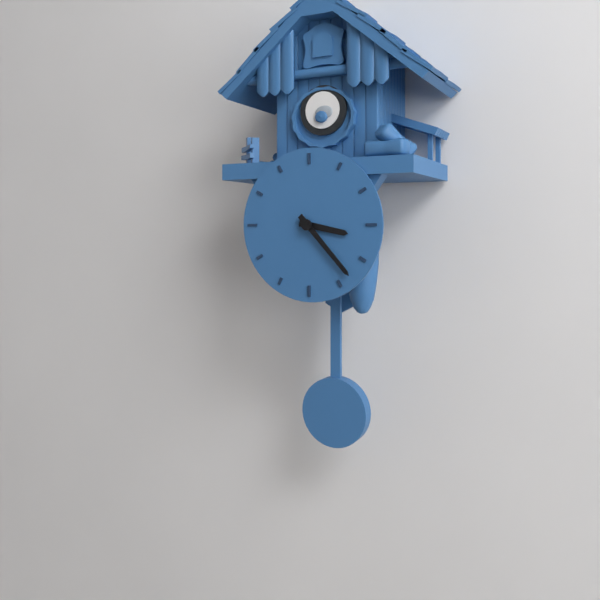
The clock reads 3.23
